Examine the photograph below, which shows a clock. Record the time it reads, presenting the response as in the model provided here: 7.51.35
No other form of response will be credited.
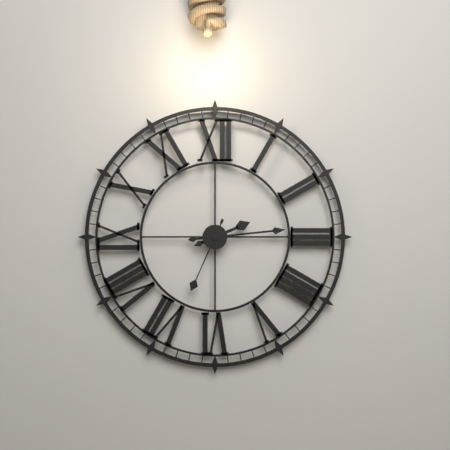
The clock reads 2.14.34
